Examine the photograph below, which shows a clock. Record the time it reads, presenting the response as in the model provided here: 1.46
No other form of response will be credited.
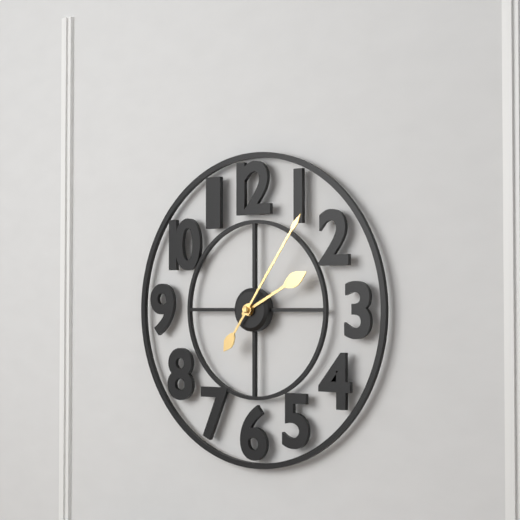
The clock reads 2.06
